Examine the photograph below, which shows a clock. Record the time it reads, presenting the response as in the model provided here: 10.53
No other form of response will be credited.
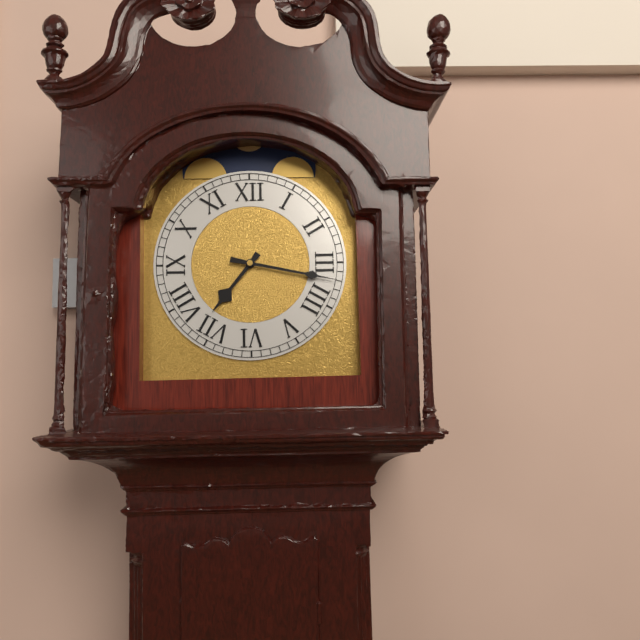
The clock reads 7.17
